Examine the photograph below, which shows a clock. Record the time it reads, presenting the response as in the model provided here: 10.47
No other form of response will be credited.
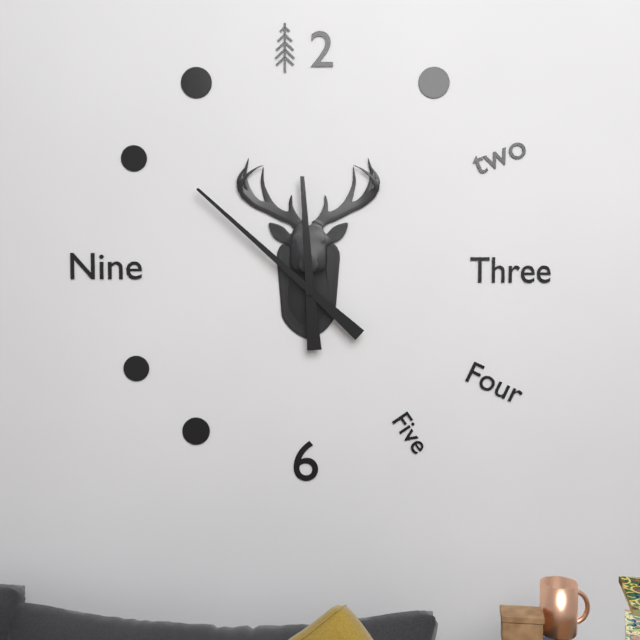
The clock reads 11.52
